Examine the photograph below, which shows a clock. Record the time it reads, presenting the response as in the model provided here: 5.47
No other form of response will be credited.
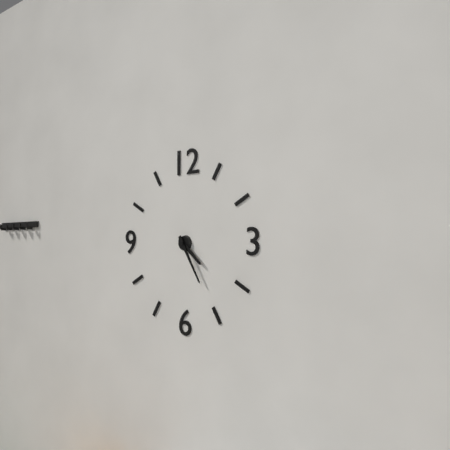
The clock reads 4.25
